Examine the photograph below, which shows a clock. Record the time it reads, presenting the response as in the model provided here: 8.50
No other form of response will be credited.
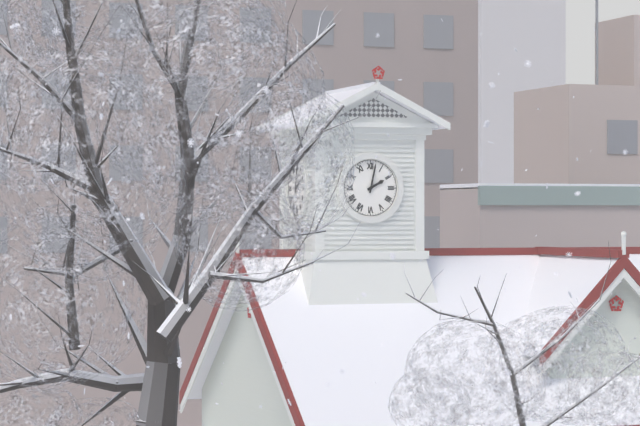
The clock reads 2.02
